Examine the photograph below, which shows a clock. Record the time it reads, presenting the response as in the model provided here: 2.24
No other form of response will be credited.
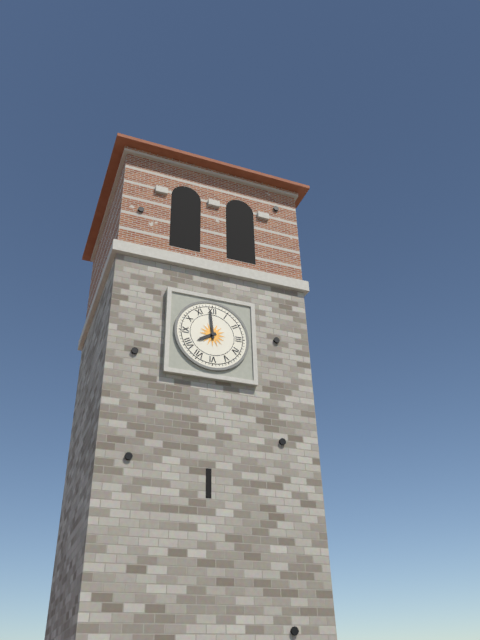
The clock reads 7.59
